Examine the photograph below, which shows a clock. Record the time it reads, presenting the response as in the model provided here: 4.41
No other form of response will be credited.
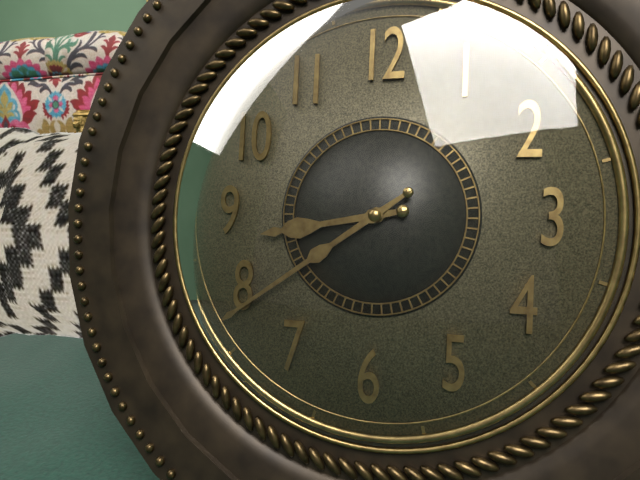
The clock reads 8.39
